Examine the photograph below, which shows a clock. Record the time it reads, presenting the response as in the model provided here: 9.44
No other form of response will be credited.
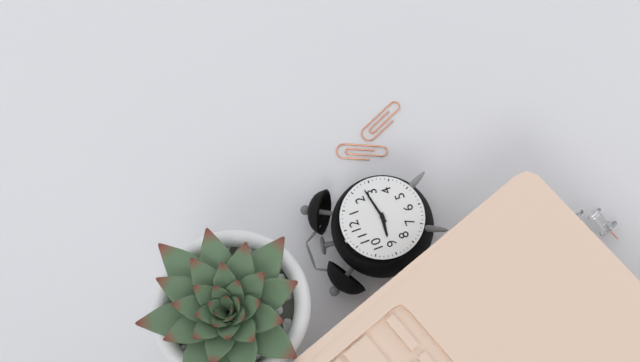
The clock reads 9.13
